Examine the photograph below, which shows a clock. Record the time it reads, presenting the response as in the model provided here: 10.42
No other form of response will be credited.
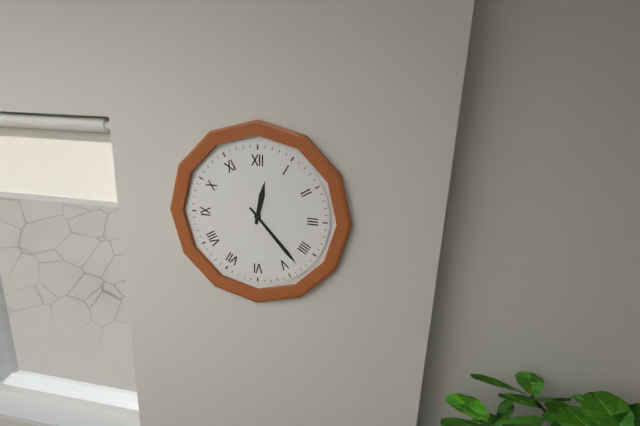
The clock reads 12.23
